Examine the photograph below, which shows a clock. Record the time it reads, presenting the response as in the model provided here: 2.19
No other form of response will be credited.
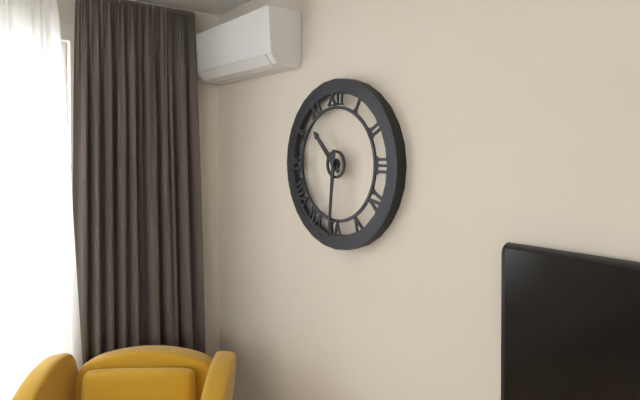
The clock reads 10.31
